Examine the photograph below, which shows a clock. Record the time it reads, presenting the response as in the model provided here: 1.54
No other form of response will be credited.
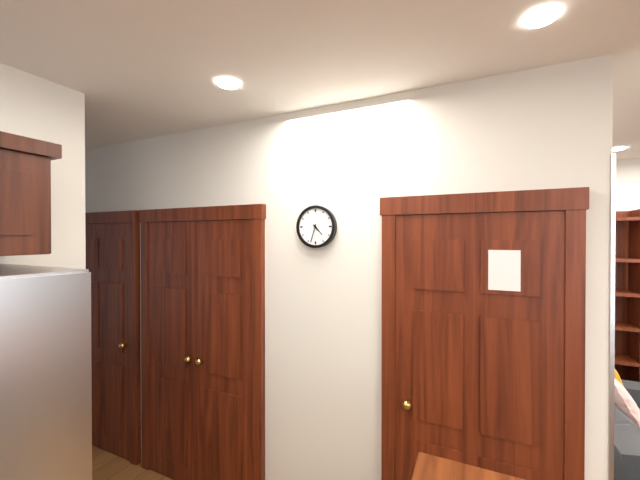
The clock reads 4.33
